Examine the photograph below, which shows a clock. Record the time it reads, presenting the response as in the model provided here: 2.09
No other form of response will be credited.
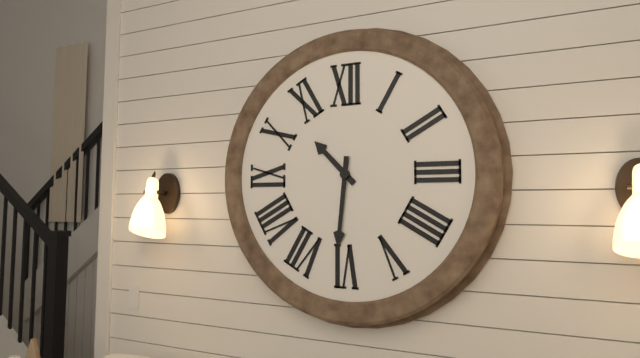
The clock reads 10.31
